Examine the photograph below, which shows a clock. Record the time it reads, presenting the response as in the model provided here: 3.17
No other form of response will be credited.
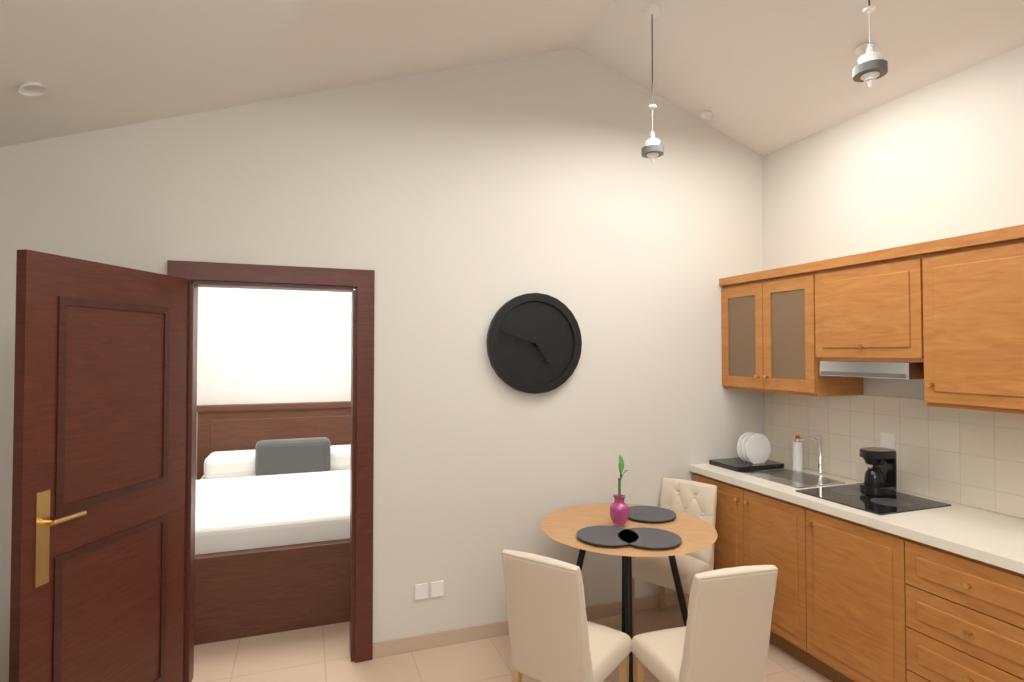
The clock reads 4.48
